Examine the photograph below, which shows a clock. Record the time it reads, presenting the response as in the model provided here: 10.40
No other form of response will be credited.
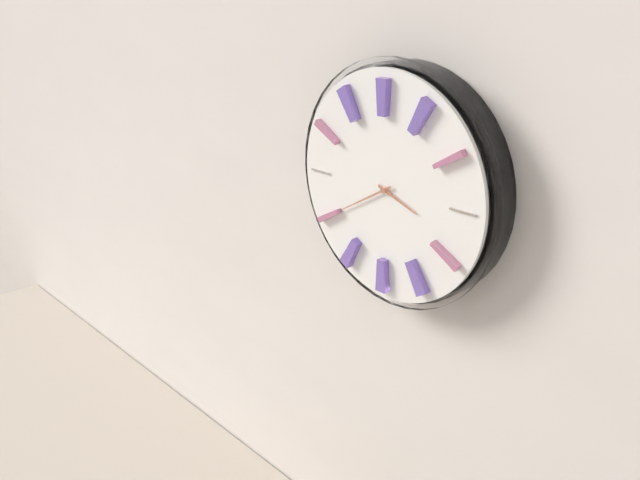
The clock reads 3.40
